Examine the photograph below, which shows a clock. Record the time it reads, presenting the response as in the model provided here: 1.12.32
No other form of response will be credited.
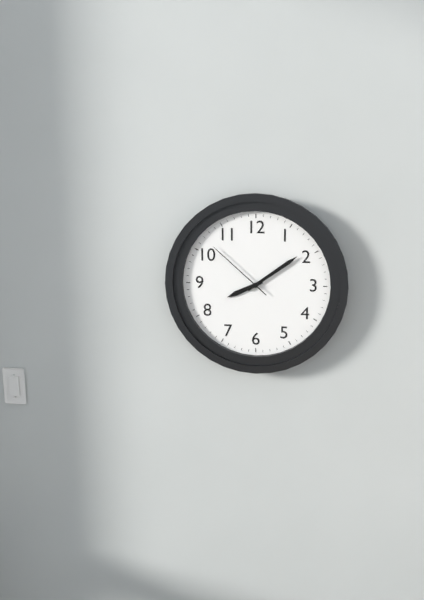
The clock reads 8.09.52
